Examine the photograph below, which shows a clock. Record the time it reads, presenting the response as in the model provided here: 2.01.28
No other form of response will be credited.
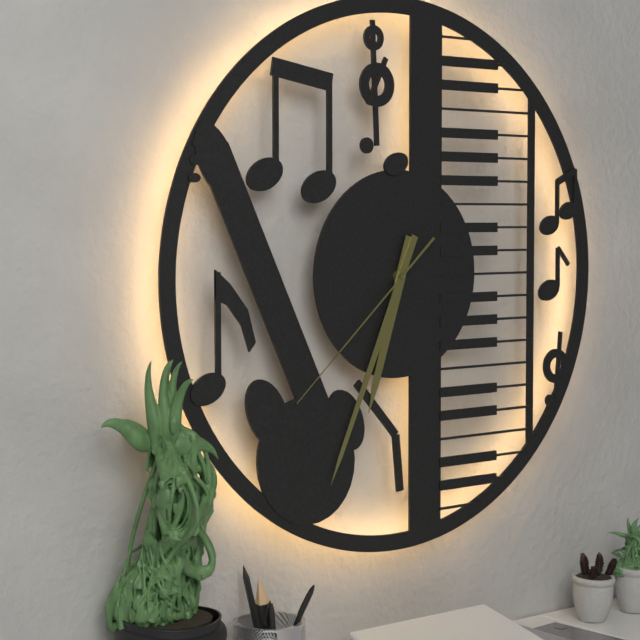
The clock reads 6.34.38
